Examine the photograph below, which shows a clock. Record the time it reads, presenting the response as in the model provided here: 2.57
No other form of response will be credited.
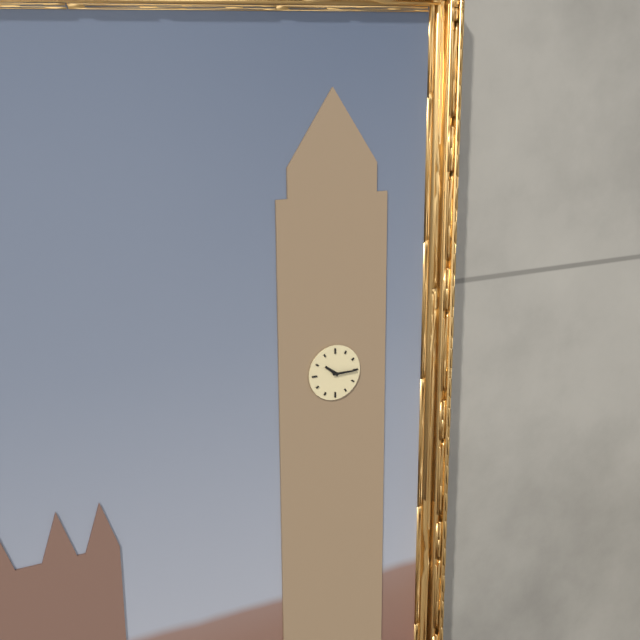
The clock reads 10.15
